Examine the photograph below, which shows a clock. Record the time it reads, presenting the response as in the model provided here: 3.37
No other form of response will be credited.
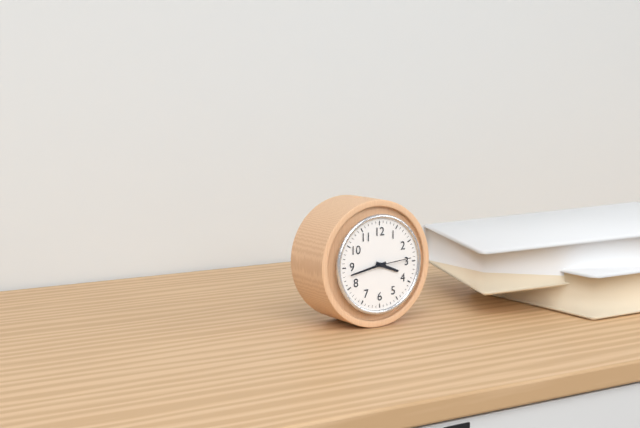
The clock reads 3.43
